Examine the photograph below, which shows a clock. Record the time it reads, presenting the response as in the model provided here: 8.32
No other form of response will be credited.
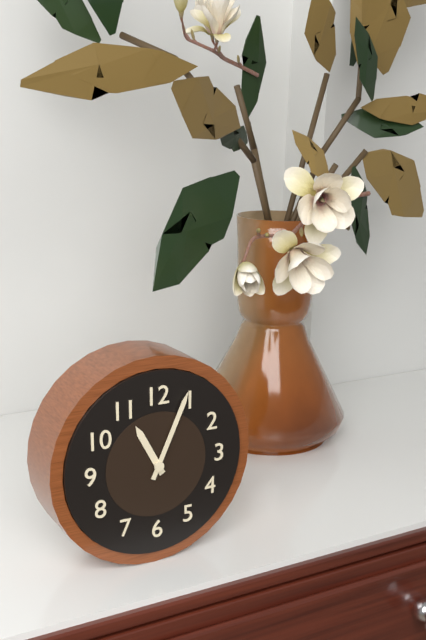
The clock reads 11.04
